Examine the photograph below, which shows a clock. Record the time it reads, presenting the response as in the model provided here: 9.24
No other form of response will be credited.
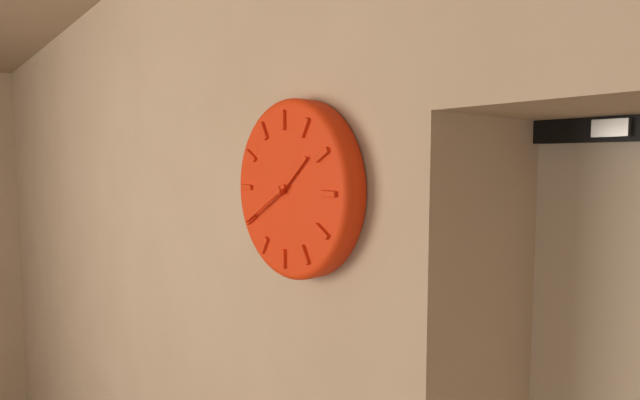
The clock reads 1.40
